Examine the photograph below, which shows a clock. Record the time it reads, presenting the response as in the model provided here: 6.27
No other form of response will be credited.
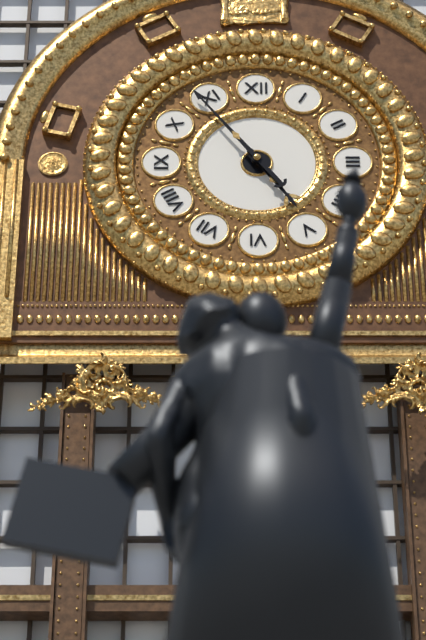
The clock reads 4.54
